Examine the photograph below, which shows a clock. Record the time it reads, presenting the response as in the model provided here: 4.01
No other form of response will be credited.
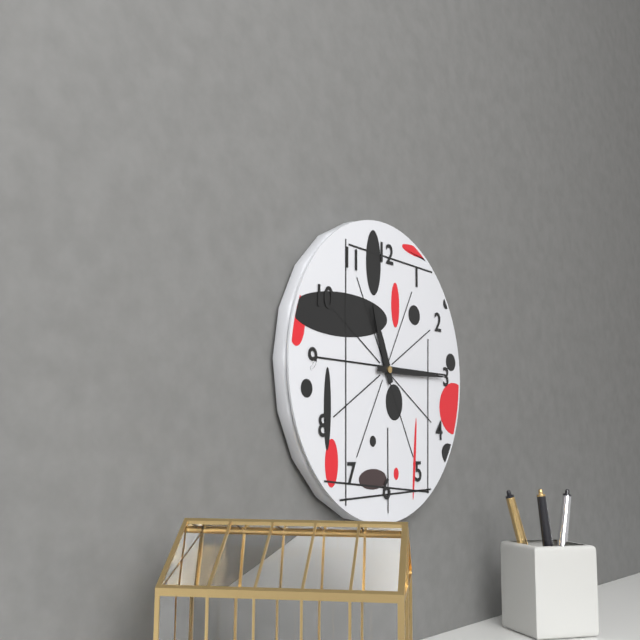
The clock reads 11.15
